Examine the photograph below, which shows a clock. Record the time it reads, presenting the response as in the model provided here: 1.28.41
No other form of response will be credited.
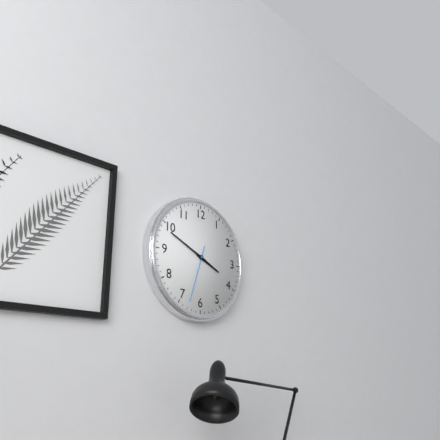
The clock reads 3.49.33
